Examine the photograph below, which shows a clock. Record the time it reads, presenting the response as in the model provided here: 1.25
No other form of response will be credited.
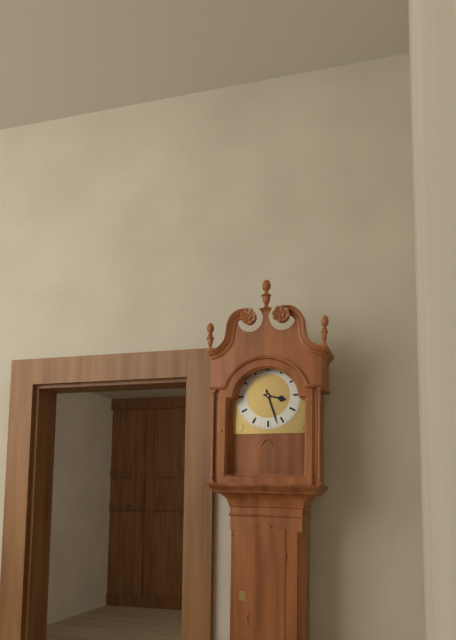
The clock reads 3.27
